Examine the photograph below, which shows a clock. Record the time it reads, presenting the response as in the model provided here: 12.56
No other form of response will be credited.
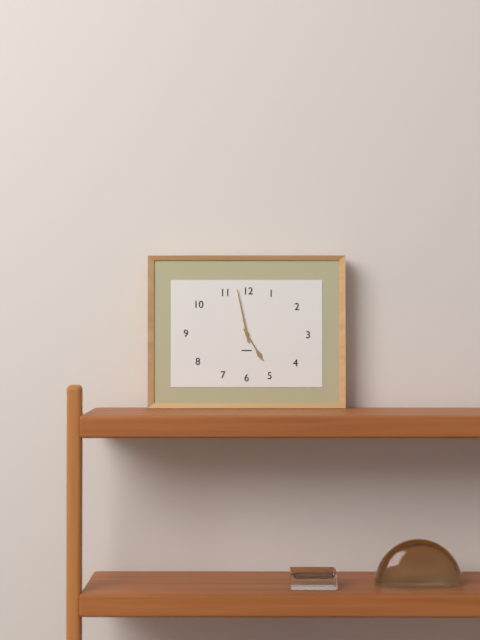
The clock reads 4.58
